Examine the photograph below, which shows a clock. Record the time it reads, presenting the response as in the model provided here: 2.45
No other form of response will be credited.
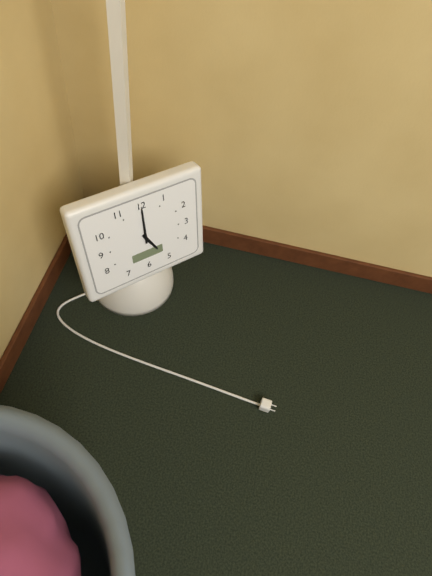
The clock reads 5.00
